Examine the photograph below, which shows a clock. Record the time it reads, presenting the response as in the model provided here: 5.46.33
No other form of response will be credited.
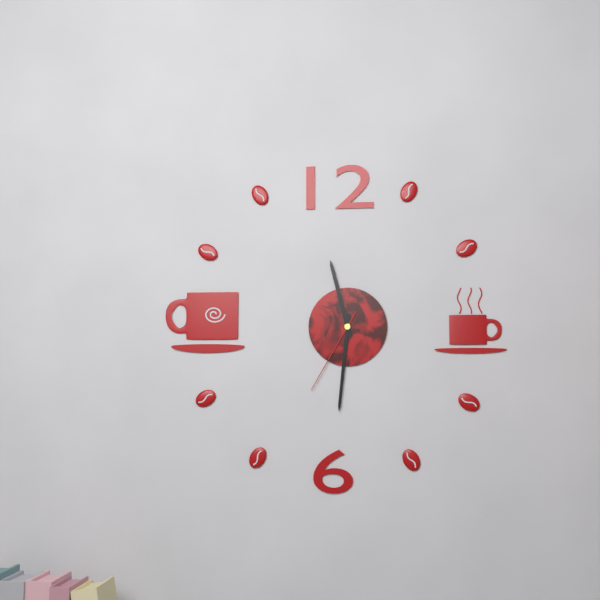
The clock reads 11.31.35
